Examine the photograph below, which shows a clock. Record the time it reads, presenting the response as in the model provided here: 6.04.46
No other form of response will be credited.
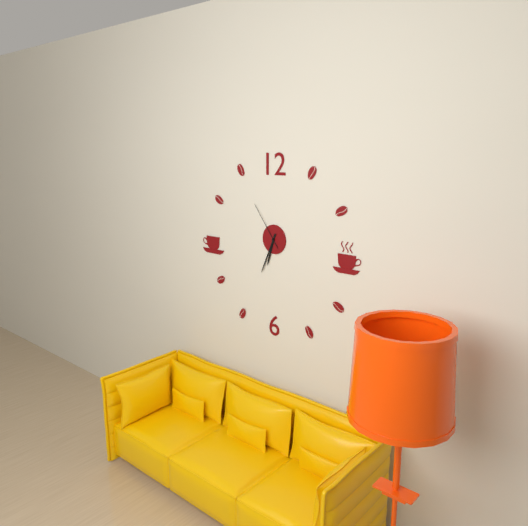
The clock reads 6.34.54
